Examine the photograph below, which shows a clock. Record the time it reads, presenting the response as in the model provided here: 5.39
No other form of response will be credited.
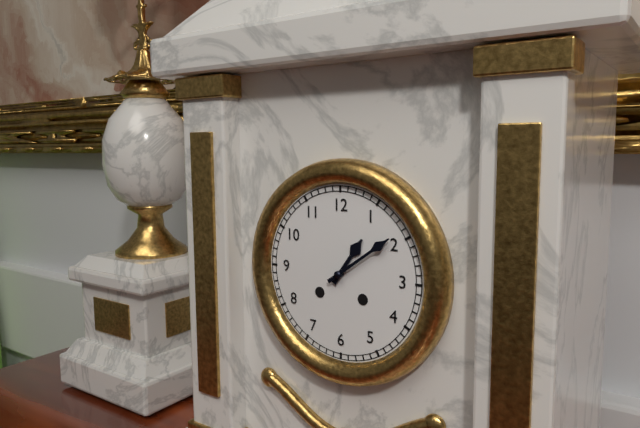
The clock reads 1.09
